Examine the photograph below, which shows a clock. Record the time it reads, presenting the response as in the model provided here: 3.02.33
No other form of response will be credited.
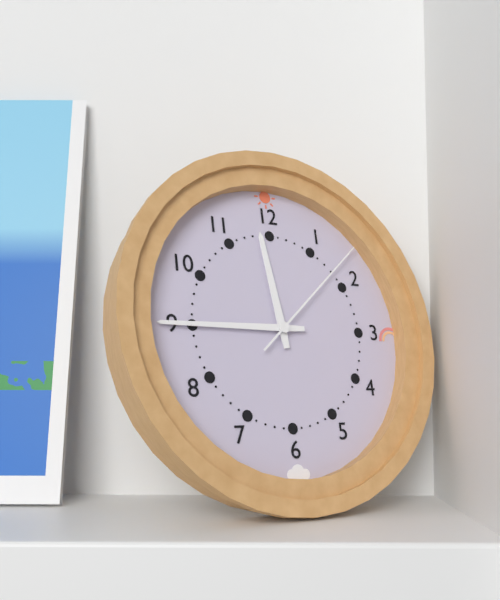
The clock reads 11.45.08
